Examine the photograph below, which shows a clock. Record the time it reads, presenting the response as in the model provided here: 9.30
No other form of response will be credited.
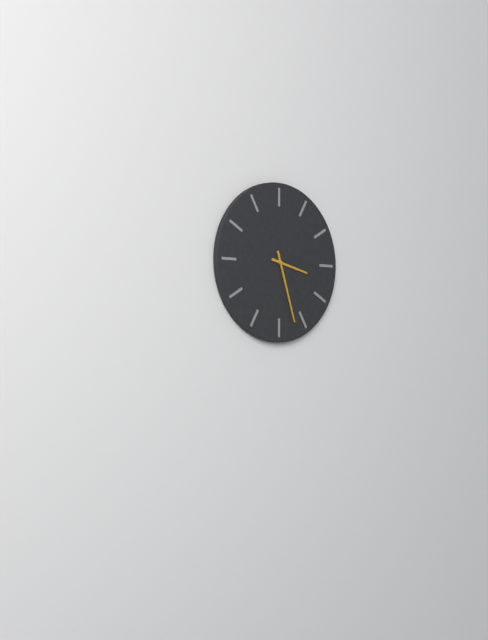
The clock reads 3.27
